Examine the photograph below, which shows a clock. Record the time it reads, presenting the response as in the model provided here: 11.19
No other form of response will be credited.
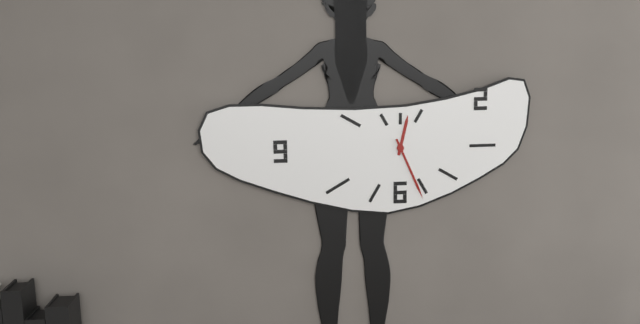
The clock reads 12.26
